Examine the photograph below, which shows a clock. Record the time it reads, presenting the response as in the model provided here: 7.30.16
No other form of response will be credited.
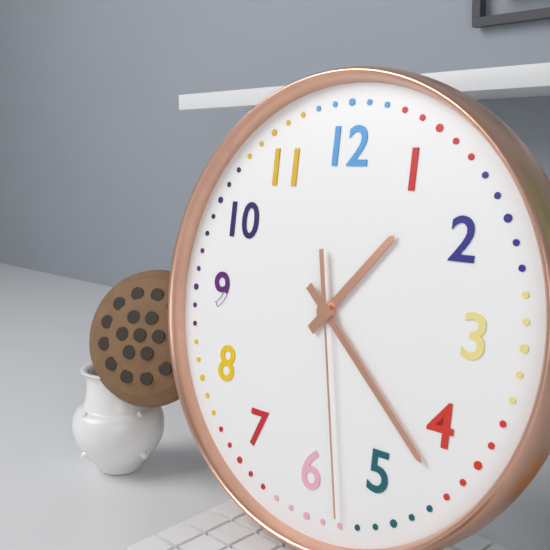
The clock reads 1.22.28
